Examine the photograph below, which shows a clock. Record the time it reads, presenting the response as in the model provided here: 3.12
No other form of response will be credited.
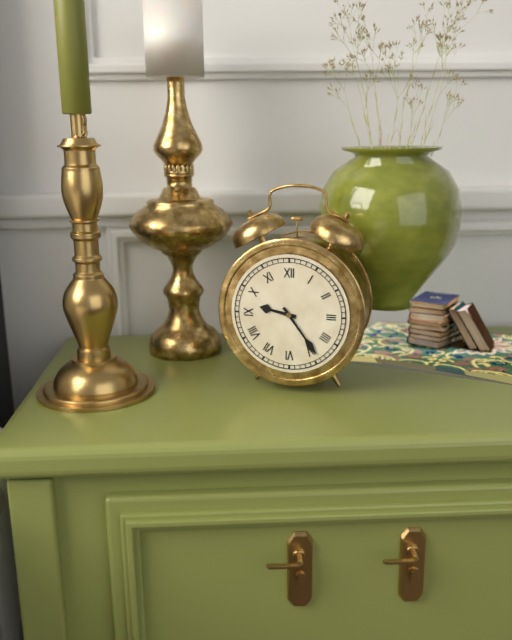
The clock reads 9.24
